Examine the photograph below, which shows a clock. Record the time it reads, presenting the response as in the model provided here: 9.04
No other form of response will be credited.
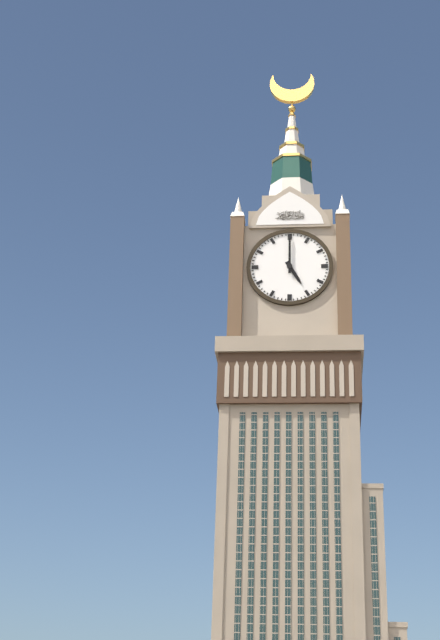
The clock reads 5.00
